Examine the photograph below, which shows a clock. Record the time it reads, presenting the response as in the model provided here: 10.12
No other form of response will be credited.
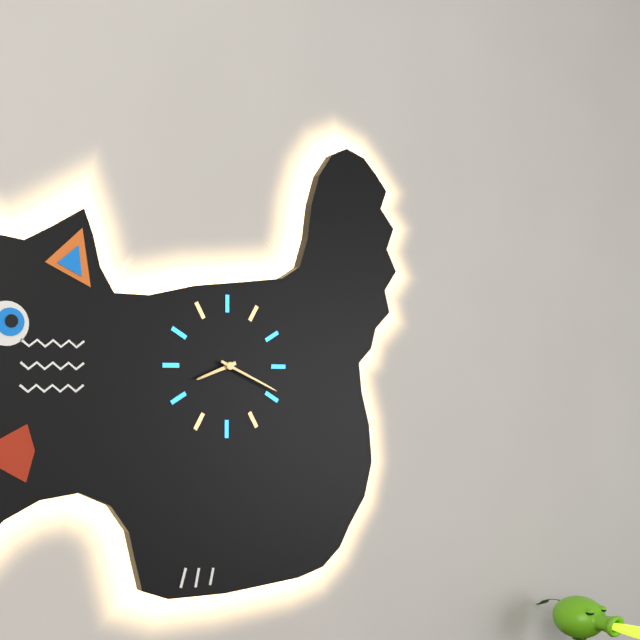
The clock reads 8.19
